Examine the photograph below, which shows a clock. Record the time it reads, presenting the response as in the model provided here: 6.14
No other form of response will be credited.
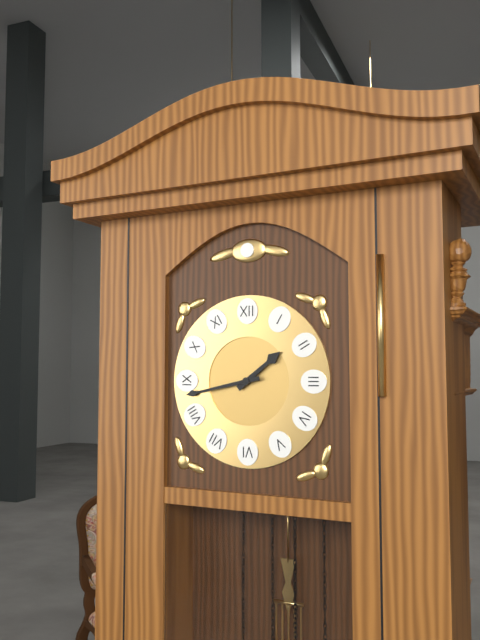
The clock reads 1.43
